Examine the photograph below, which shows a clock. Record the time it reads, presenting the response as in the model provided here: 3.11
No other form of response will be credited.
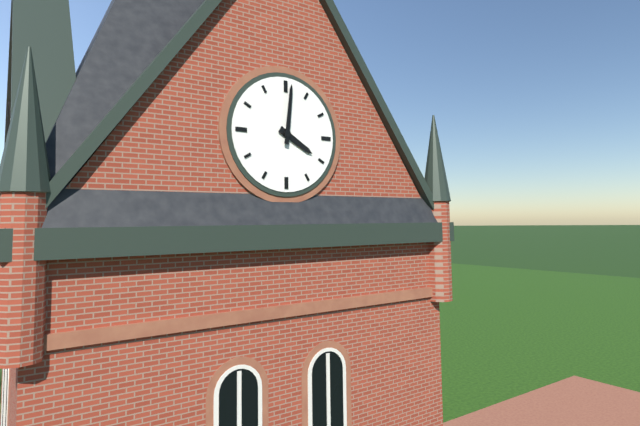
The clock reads 4.01
